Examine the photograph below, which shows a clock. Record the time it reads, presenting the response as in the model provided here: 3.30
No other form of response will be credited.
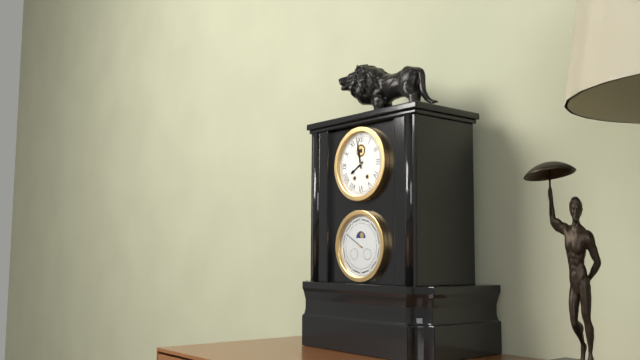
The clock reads 7.58
